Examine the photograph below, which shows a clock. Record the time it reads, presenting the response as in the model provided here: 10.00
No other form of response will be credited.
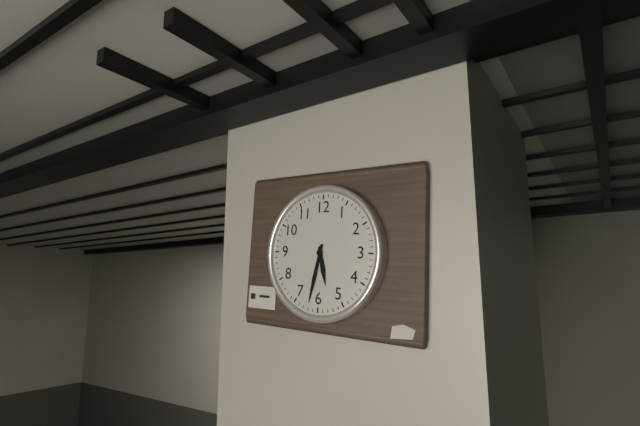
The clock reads 5.32
